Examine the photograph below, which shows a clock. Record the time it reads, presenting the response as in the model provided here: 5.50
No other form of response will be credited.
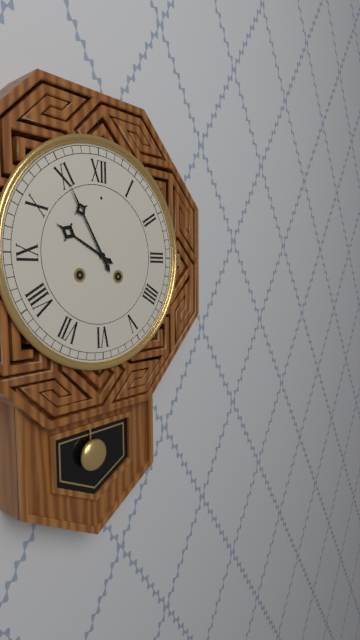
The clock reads 9.55
